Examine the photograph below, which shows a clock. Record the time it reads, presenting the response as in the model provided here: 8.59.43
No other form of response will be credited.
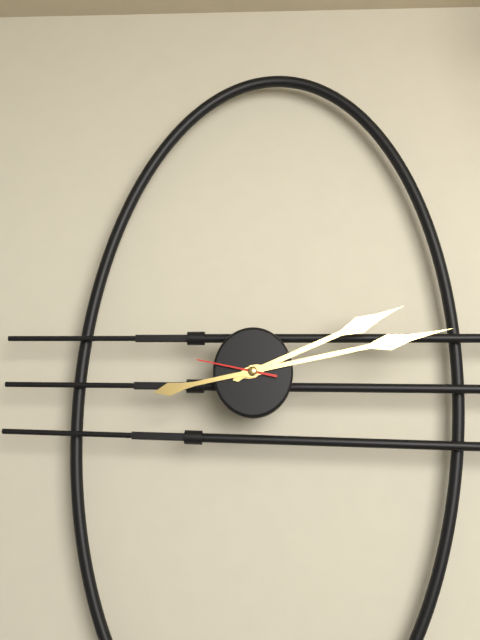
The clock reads 2.13.47
